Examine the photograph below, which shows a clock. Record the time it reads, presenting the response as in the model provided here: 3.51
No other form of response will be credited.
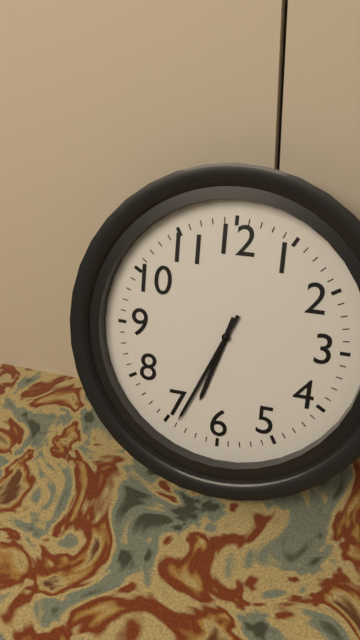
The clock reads 6.34
